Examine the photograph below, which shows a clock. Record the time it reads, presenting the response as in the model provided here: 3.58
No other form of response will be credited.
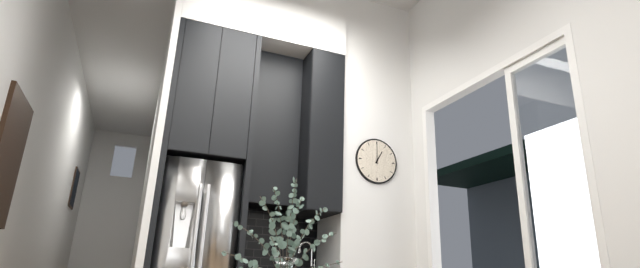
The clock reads 1.00
